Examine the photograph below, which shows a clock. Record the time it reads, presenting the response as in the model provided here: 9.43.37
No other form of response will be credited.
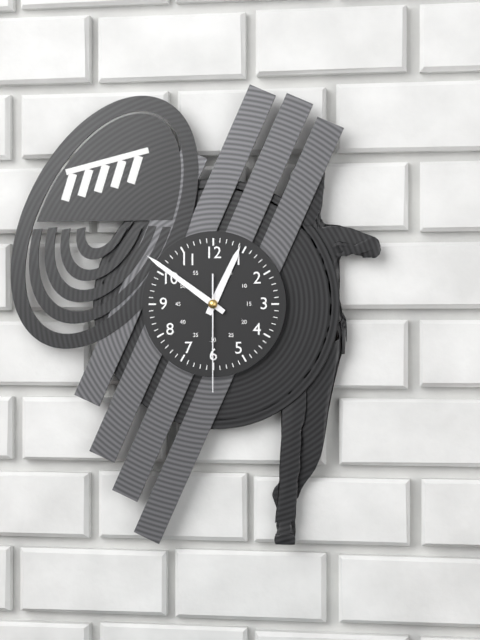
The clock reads 12.51.30
